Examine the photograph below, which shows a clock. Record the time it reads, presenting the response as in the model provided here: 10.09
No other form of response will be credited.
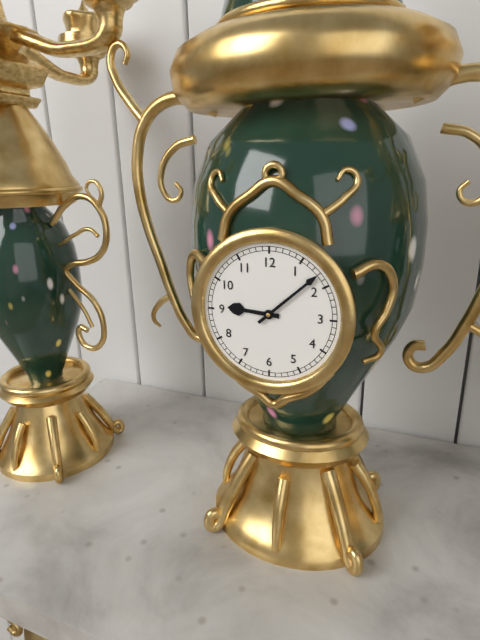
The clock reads 9.08
